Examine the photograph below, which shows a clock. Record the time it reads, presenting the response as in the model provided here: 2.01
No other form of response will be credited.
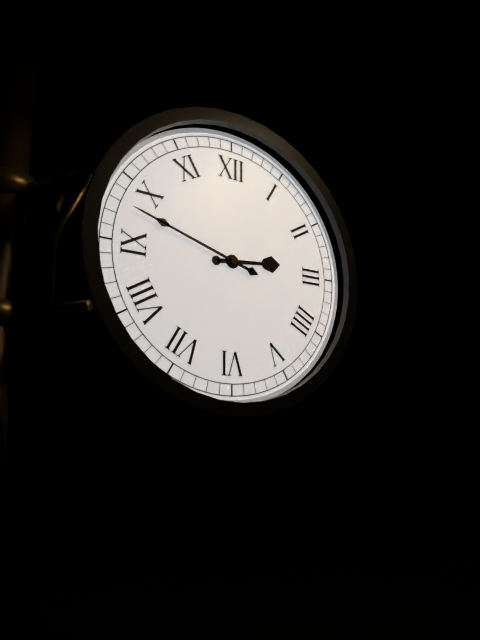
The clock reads 2.48
